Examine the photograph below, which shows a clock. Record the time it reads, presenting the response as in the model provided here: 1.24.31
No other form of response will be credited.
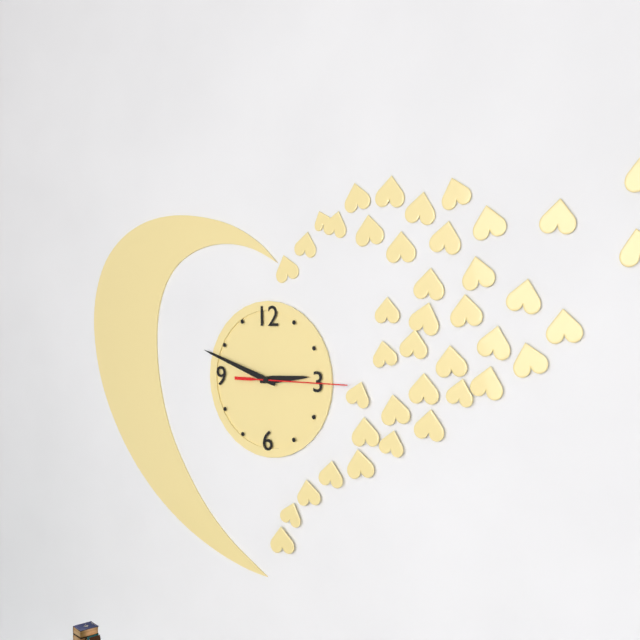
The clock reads 2.48.15
